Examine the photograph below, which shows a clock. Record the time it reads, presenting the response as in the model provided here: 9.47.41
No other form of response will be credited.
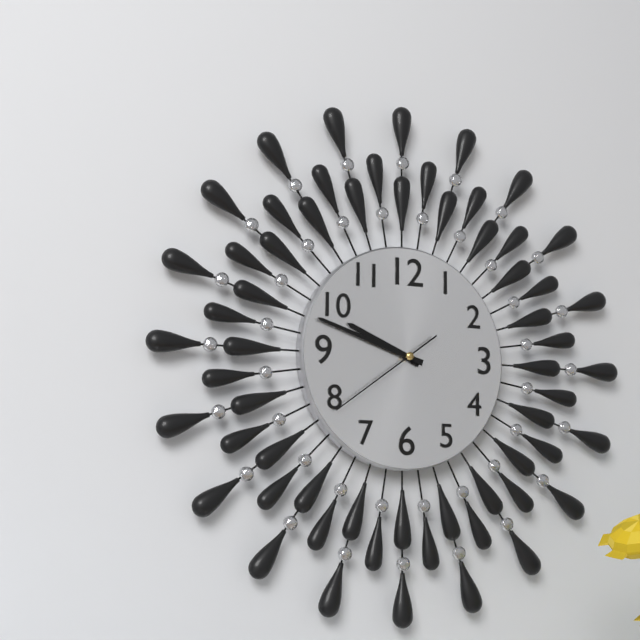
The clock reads 9.48.39
